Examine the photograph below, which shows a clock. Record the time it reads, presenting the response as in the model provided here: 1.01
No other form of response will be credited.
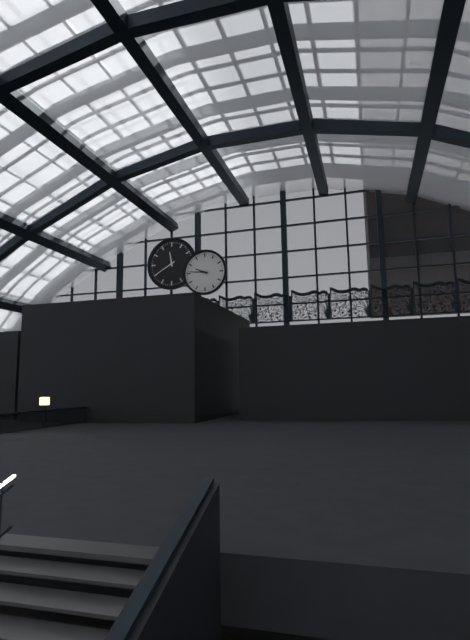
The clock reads 9.46
